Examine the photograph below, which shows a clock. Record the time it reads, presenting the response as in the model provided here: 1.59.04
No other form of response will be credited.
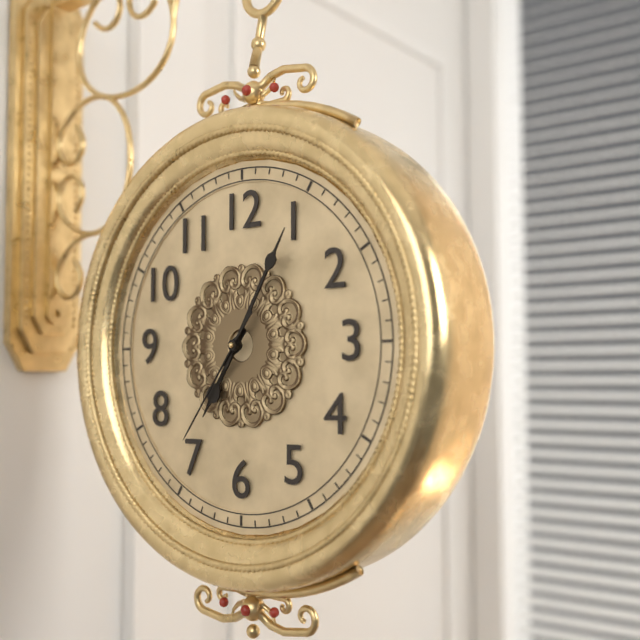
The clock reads 7.05.36
